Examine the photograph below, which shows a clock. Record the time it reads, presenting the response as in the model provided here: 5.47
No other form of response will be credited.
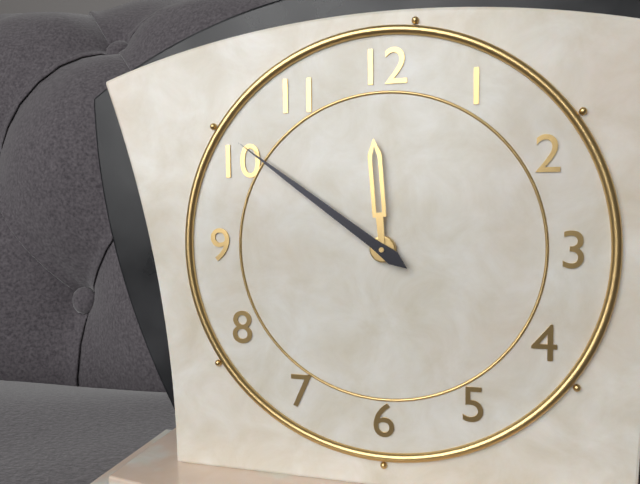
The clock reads 11.51
